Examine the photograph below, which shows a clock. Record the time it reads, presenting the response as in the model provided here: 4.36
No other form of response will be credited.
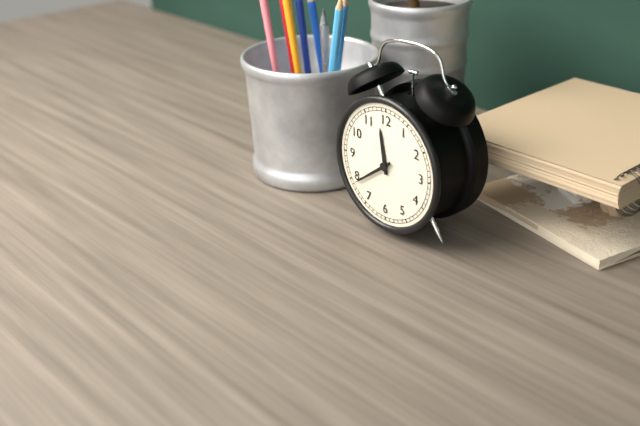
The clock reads 11.39
